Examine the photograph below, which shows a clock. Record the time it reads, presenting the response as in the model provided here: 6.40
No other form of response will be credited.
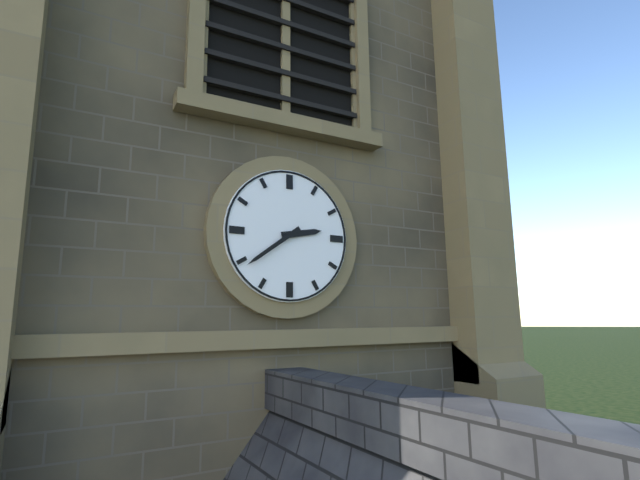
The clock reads 2.39
